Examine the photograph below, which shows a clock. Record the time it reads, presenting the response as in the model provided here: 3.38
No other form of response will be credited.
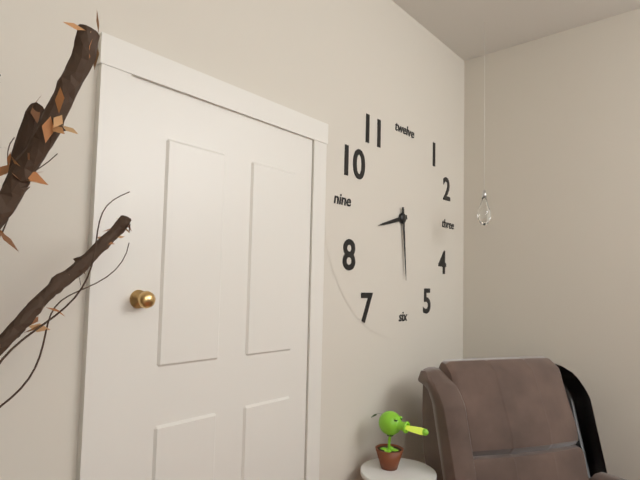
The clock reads 8.29
